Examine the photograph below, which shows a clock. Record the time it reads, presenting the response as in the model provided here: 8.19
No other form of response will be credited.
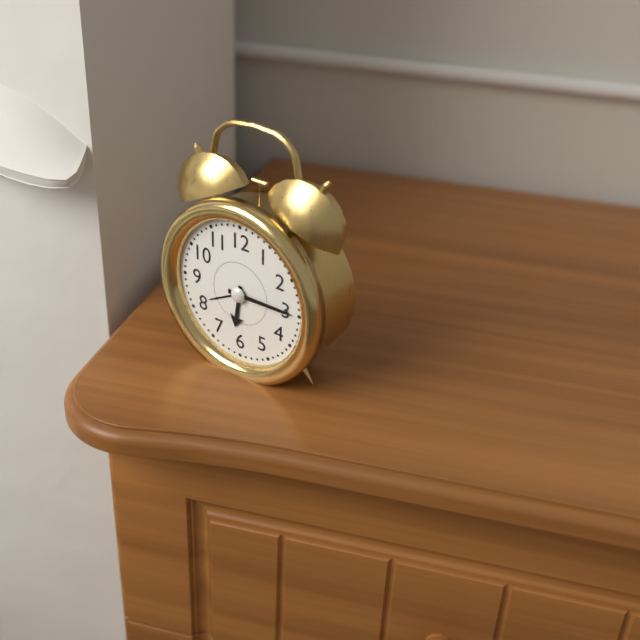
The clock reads 6.15
